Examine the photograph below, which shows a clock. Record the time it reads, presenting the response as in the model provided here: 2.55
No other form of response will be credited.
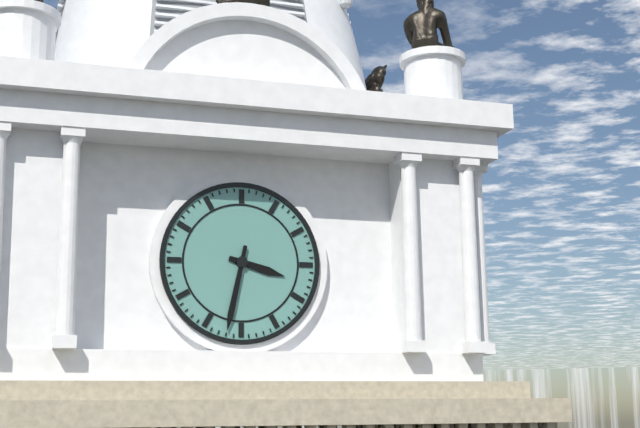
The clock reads 3.32
